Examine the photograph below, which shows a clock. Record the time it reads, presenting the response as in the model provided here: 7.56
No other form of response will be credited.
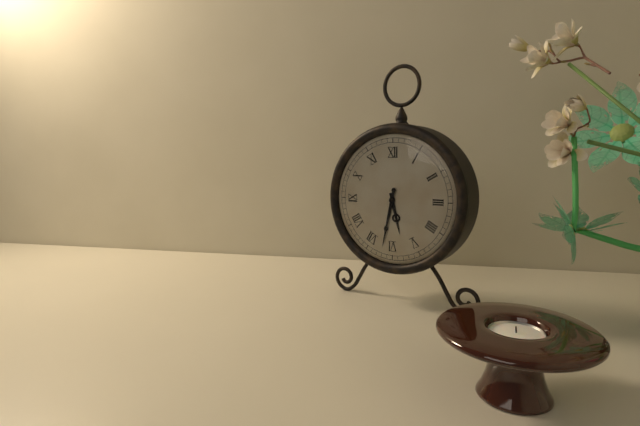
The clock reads 5.32
